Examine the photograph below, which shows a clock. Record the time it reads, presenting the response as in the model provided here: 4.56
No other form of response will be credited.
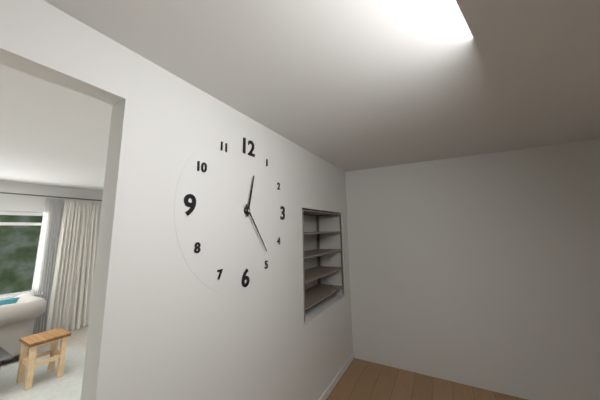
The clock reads 12.24
